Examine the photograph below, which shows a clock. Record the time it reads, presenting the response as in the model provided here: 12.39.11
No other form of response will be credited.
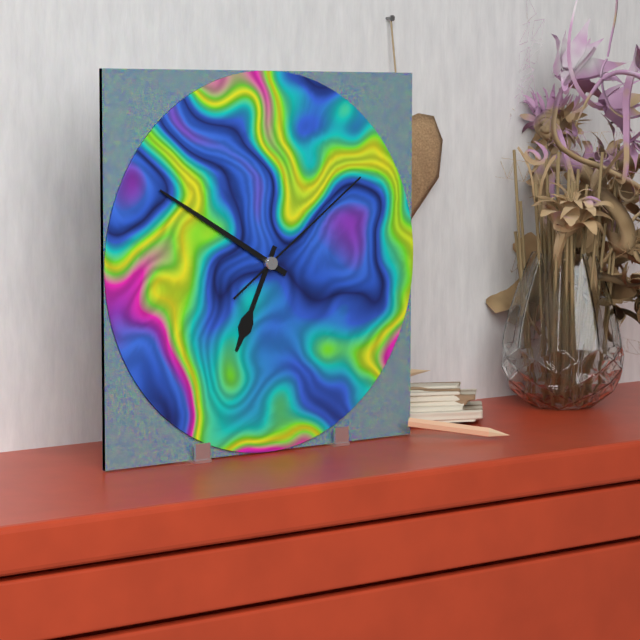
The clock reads 6.50.09
